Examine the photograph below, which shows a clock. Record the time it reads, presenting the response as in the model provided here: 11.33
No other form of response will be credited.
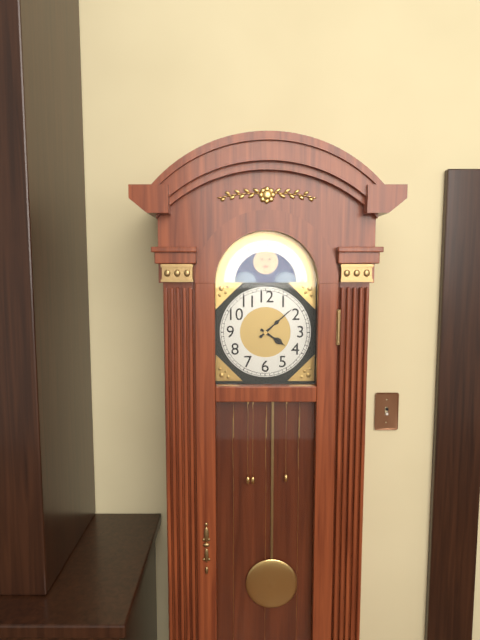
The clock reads 4.08
